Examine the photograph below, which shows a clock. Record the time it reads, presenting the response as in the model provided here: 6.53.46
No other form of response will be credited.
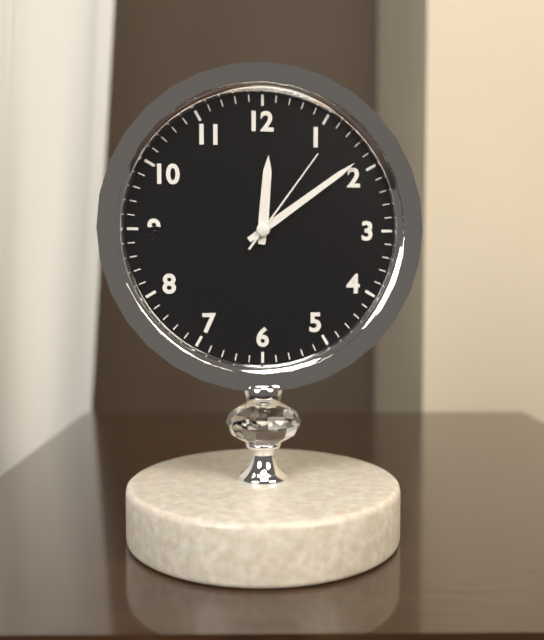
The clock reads 12.09.06
